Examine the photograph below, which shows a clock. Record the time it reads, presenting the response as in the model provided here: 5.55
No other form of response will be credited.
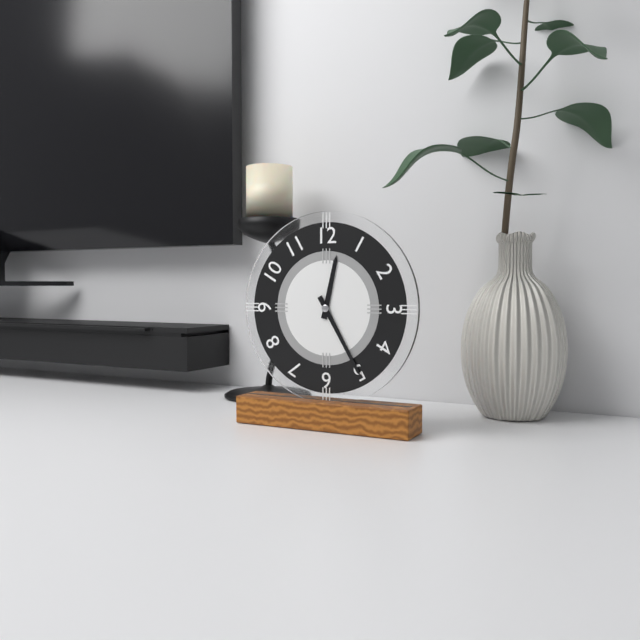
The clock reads 12.25
